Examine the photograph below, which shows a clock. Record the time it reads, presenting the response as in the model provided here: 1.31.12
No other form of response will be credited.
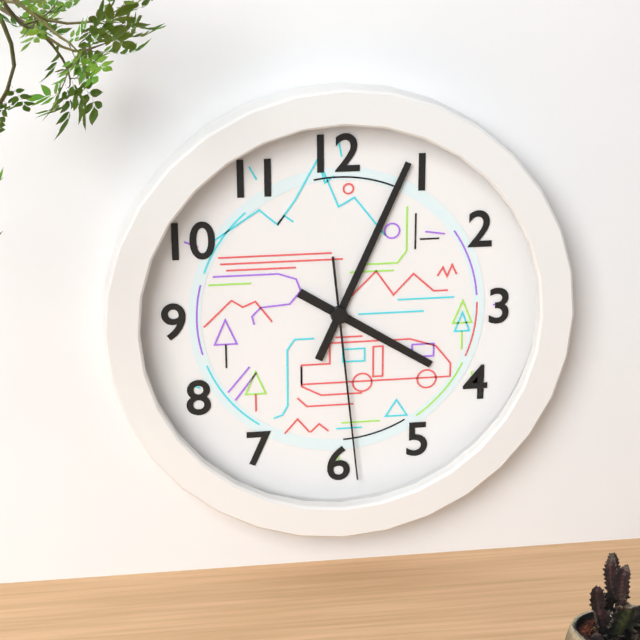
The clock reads 4.04.29
